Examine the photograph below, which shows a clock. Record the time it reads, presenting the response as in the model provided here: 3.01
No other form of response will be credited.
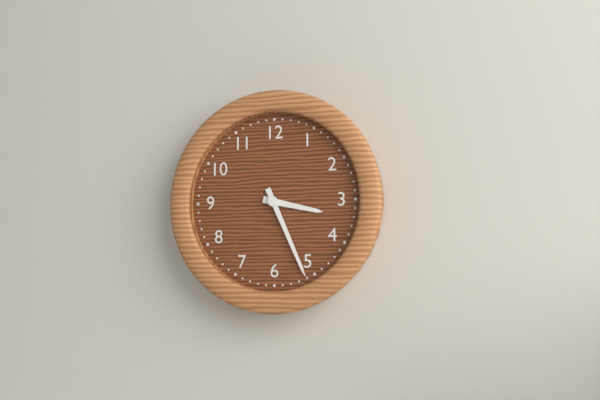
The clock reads 3.26
